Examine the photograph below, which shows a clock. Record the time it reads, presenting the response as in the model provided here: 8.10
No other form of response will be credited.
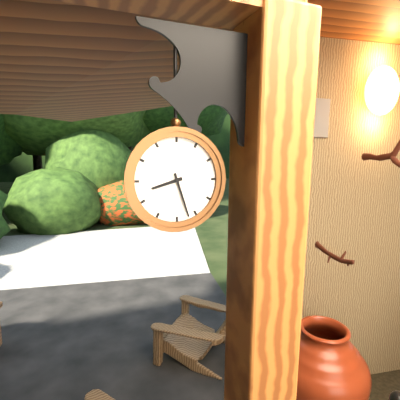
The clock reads 8.27
